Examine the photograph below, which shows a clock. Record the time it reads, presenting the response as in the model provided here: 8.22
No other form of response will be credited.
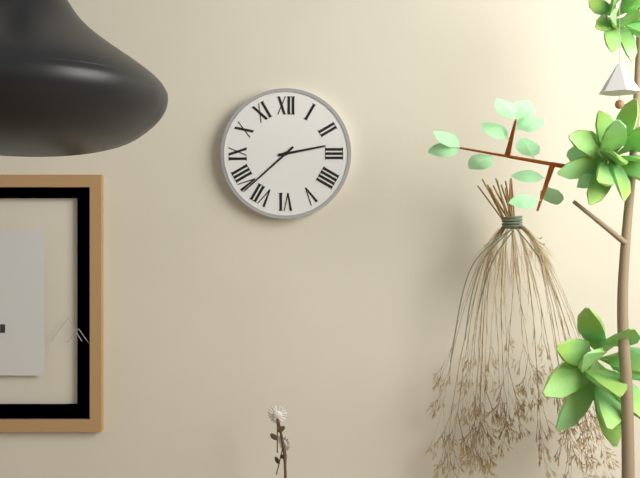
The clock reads 2.38
